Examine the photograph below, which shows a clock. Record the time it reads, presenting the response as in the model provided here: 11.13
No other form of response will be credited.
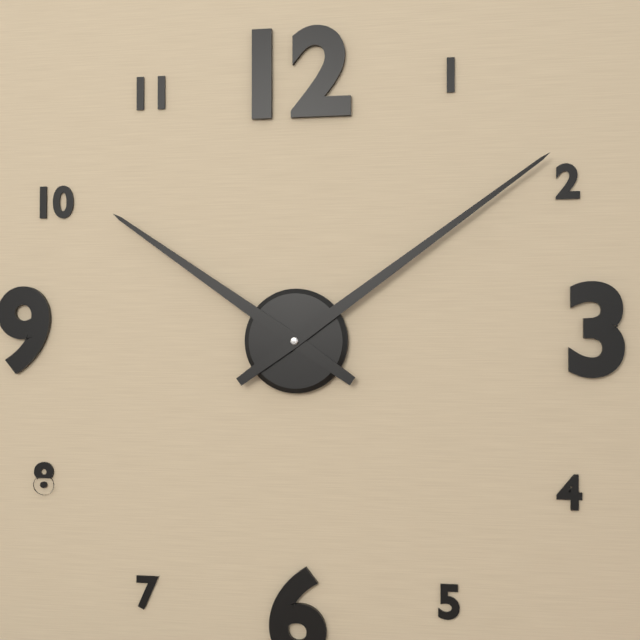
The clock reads 10.09
